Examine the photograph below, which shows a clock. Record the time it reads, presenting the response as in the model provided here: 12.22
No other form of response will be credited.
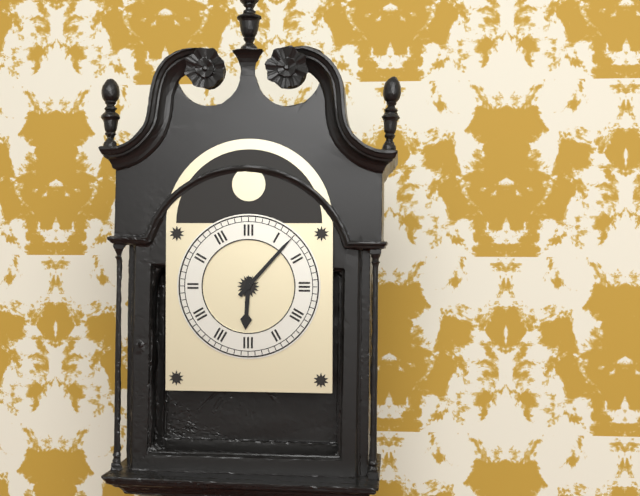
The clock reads 6.07
